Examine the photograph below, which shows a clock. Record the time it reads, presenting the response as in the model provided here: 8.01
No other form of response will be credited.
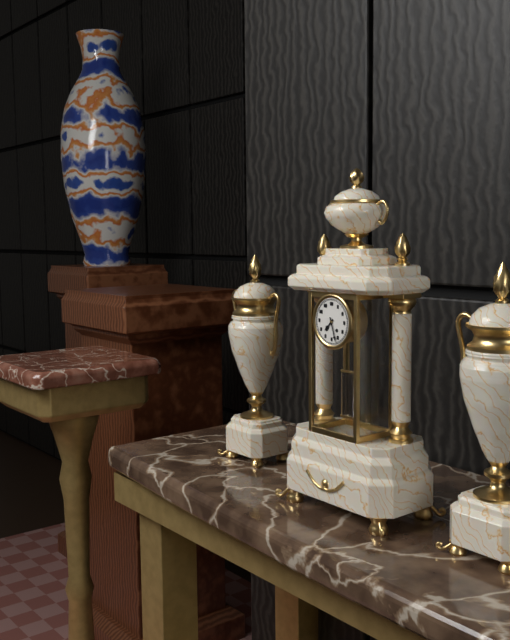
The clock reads 7.27
